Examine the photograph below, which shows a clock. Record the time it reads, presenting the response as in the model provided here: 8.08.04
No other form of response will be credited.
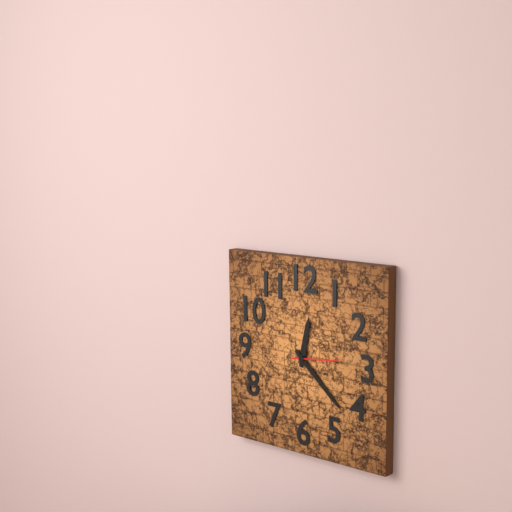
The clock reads 12.22.14
